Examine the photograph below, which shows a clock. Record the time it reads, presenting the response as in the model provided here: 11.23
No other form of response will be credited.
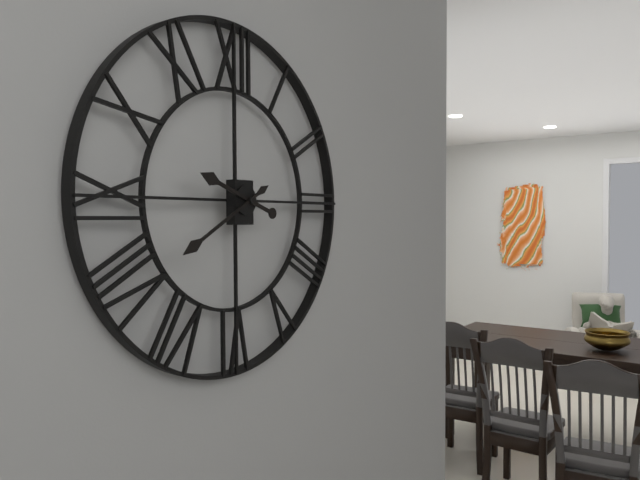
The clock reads 9.40
